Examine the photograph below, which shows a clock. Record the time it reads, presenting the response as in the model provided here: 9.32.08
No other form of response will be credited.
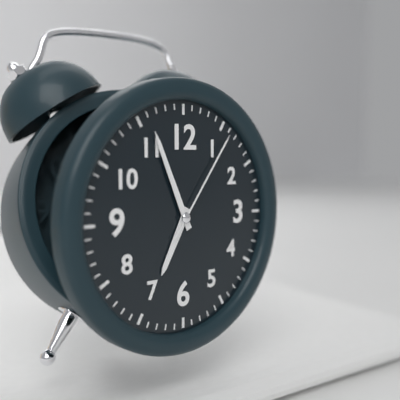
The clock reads 6.56.06
